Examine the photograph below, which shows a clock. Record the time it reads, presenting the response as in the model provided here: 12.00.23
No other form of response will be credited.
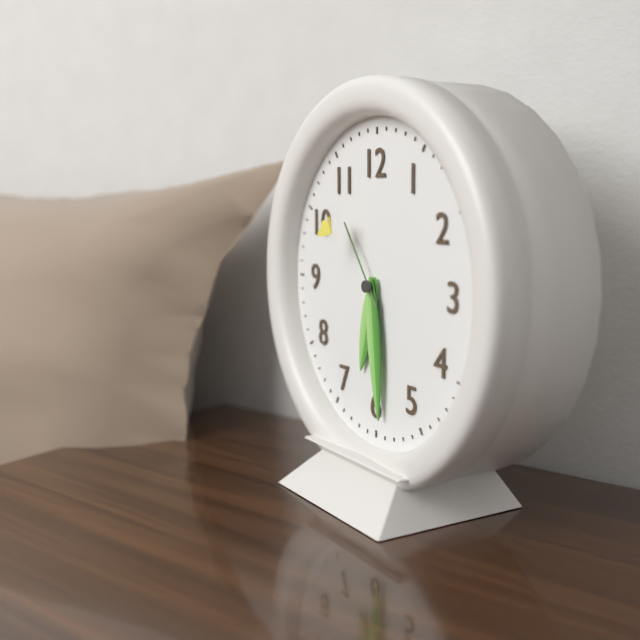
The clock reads 6.29.54
